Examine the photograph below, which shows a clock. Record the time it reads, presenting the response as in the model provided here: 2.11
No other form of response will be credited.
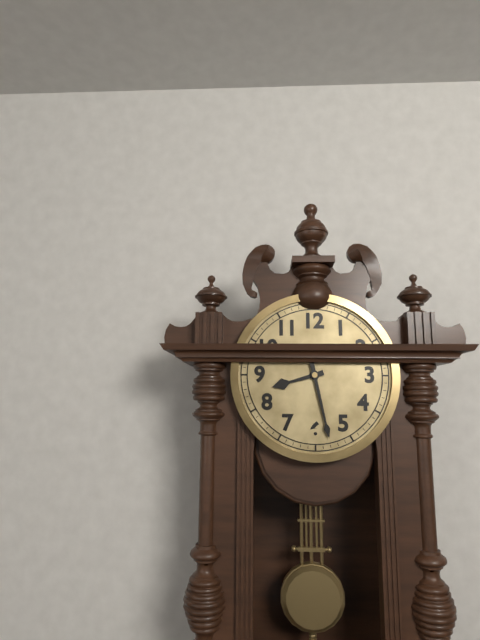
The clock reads 8.28
